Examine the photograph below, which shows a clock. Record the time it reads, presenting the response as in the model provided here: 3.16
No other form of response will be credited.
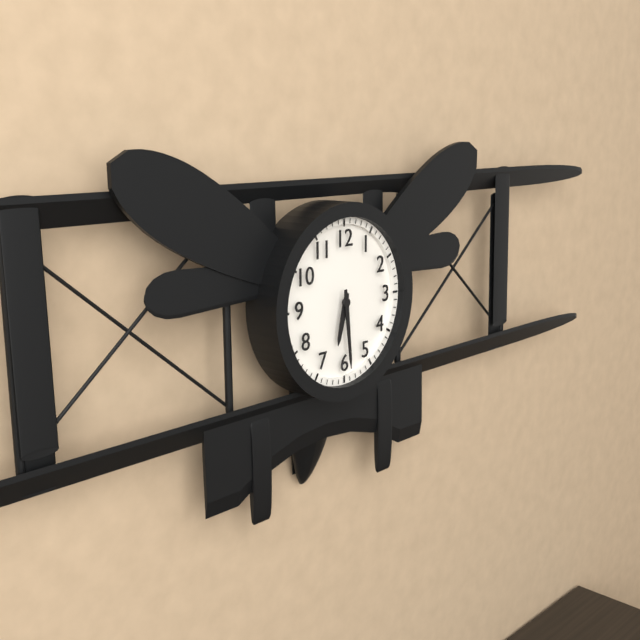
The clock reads 6.29
